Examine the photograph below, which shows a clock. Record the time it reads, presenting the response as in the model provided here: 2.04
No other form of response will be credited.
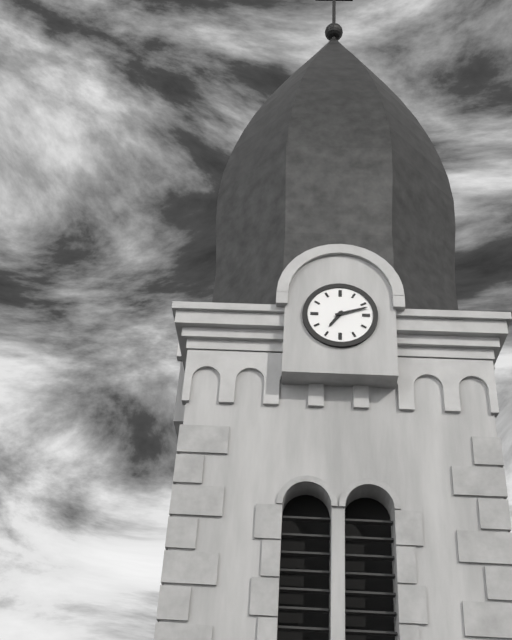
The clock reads 7.12
